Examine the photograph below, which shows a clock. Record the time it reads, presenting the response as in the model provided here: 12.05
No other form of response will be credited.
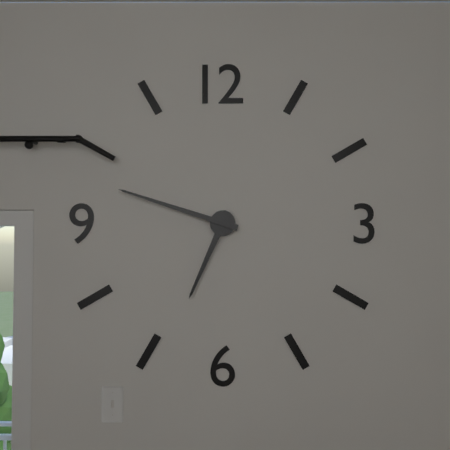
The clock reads 6.48
